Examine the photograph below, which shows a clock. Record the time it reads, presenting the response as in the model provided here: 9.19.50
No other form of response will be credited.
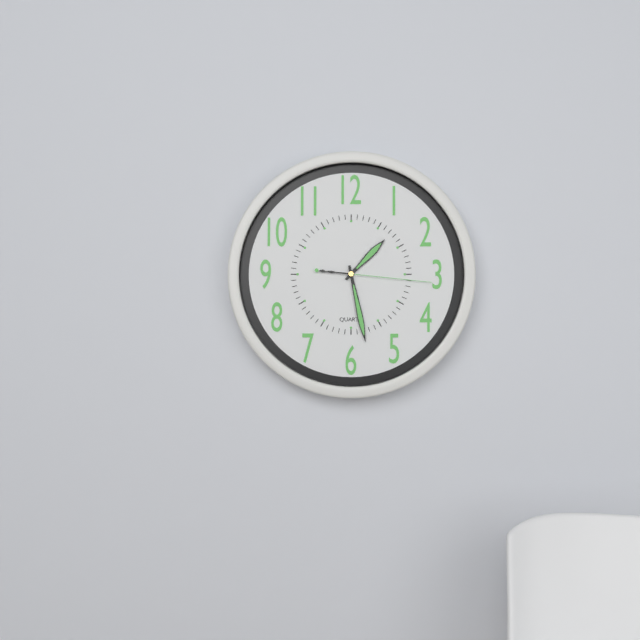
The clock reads 1.28.16
